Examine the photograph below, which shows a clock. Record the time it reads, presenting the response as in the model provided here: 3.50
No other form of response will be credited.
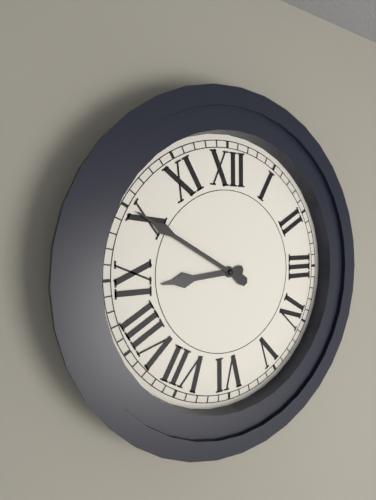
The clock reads 8.50
